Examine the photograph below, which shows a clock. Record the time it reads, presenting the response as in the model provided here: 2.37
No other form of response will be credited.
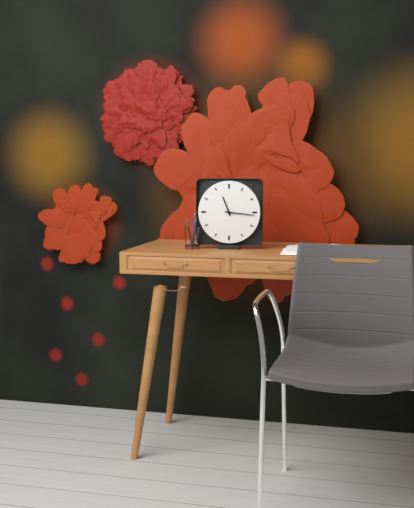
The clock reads 11.16
